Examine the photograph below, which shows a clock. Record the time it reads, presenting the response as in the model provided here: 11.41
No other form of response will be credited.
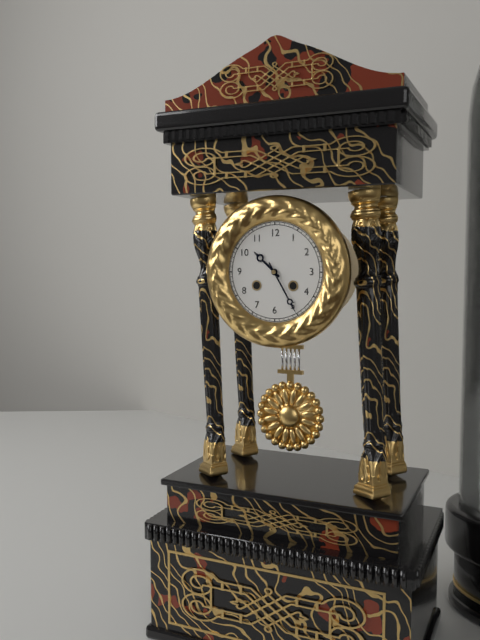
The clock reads 10.25
